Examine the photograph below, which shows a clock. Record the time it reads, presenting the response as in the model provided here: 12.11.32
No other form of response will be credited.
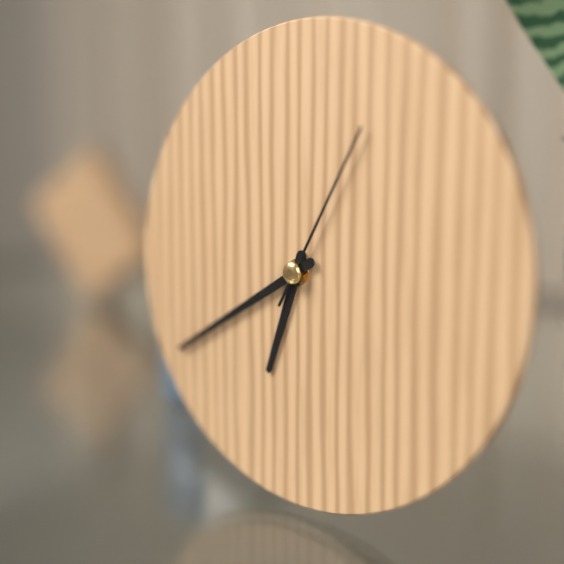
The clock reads 6.40.05
